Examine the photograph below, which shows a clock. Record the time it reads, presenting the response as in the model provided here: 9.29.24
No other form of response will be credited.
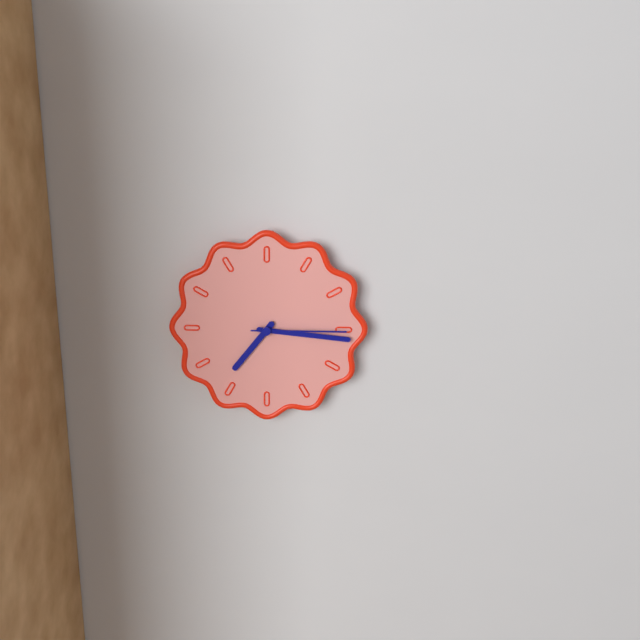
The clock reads 7.16.15
